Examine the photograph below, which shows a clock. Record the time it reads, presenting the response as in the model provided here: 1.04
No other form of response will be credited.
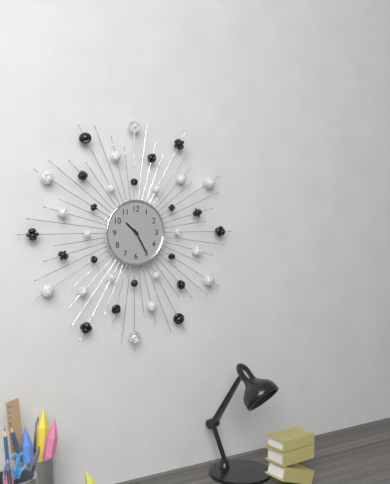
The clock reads 10.25
